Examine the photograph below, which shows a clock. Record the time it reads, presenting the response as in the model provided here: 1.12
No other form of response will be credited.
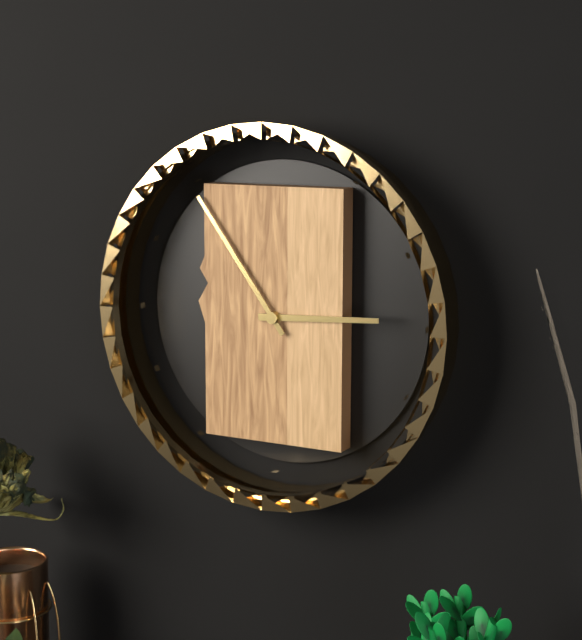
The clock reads 2.54
